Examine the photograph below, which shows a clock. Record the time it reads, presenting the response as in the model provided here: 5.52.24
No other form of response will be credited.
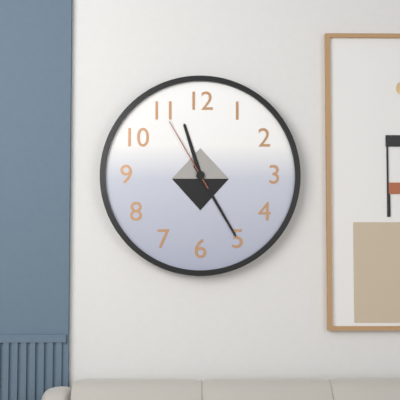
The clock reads 11.25.55
